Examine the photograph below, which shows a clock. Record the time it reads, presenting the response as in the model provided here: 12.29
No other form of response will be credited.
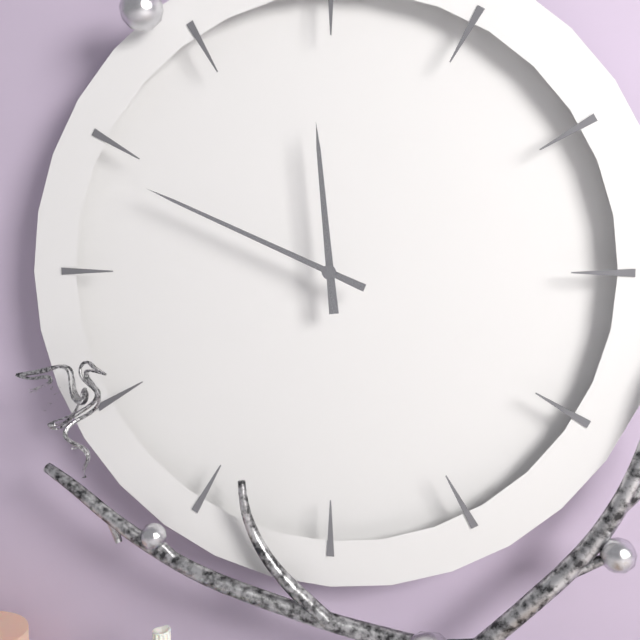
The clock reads 11.49
